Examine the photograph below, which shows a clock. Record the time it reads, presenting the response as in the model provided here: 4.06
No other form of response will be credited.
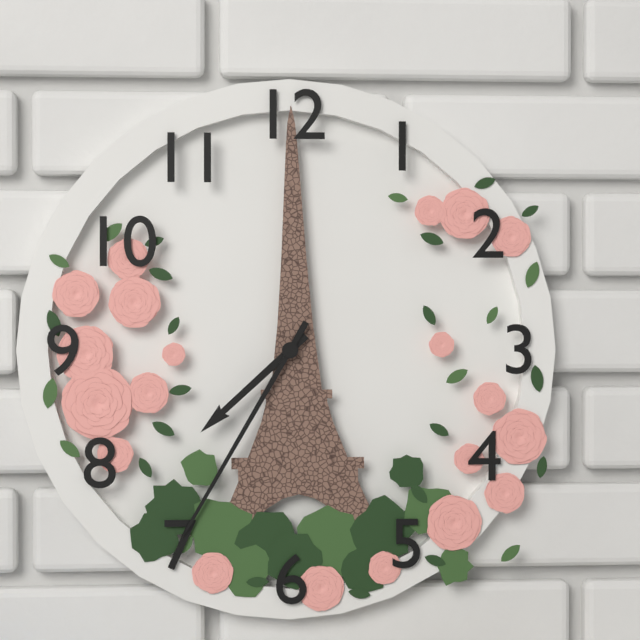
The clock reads 7.35
